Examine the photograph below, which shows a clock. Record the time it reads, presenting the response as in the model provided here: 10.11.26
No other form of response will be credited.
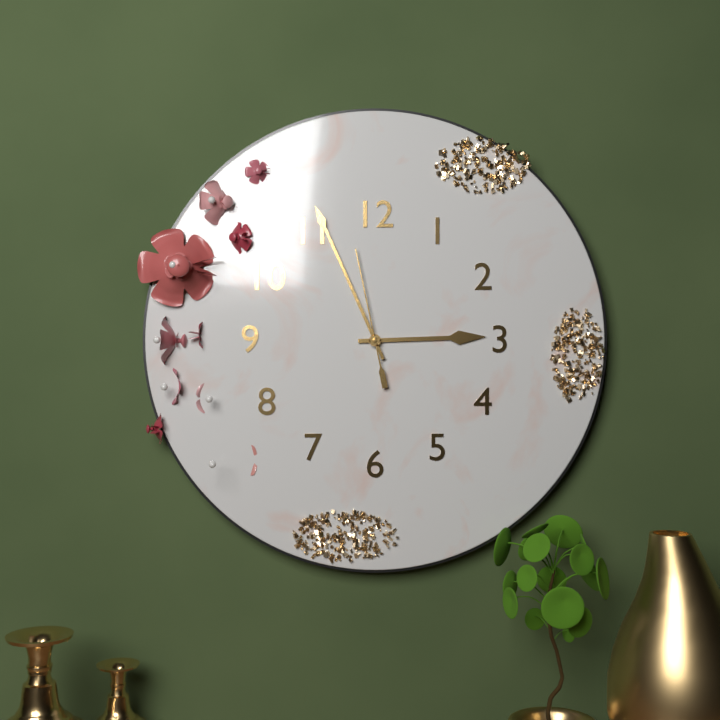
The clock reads 2.56.58
